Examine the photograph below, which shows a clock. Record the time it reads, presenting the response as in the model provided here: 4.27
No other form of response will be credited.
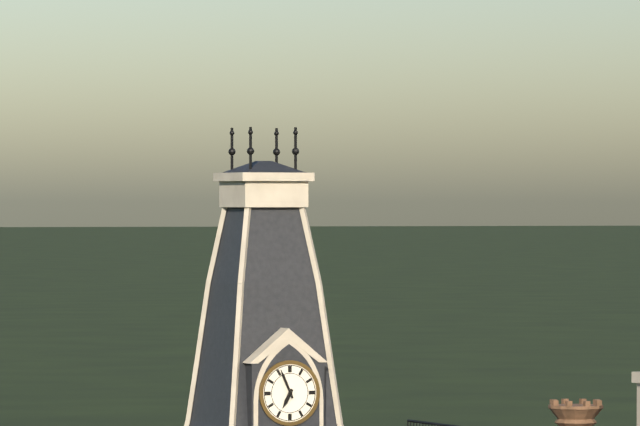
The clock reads 6.56
